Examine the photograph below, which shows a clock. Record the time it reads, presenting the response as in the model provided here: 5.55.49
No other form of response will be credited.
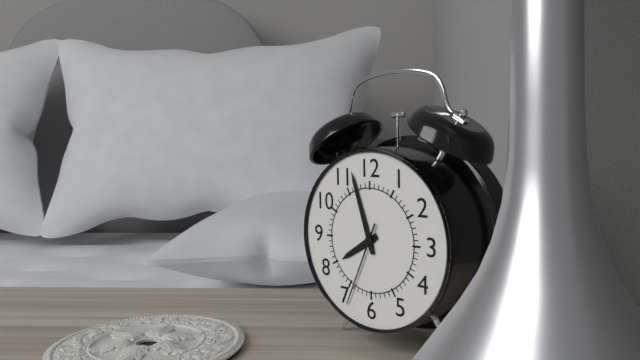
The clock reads 7.57.34
